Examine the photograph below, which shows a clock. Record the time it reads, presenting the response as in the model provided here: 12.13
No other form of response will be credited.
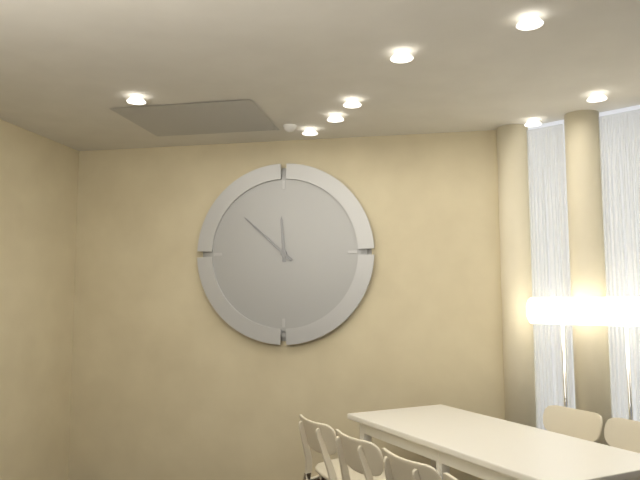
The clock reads 11.52
